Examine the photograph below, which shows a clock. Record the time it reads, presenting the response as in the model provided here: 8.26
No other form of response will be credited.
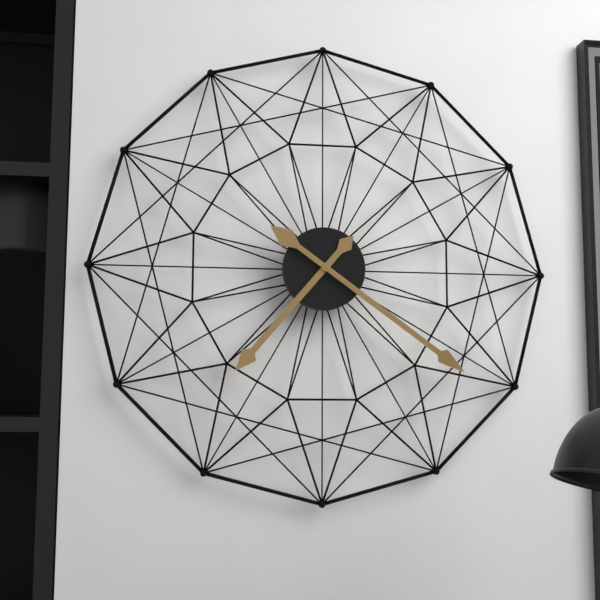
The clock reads 7.21
